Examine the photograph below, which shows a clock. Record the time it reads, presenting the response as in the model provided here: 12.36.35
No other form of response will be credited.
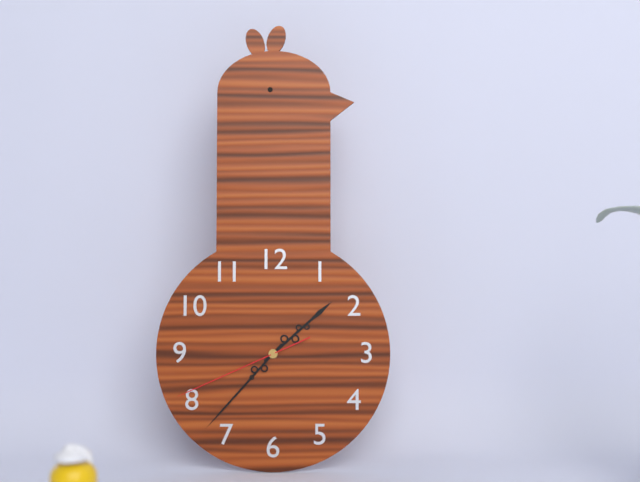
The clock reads 1.37.41
